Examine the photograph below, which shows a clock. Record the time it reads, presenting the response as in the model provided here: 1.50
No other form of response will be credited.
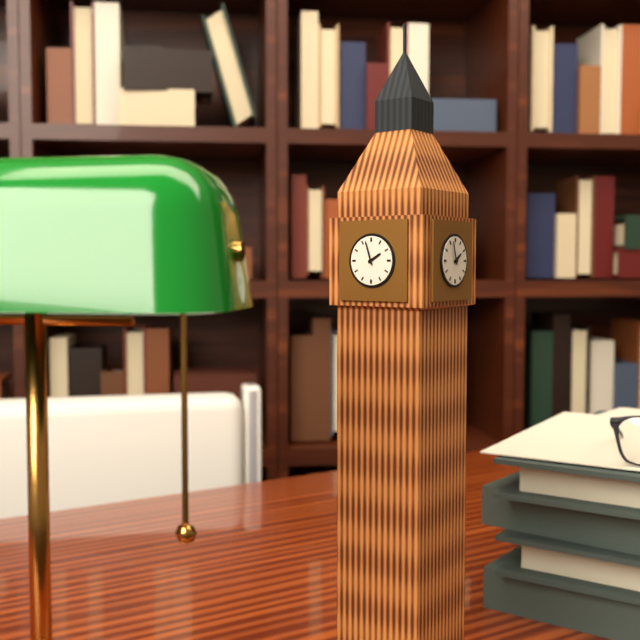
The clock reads 1.57
